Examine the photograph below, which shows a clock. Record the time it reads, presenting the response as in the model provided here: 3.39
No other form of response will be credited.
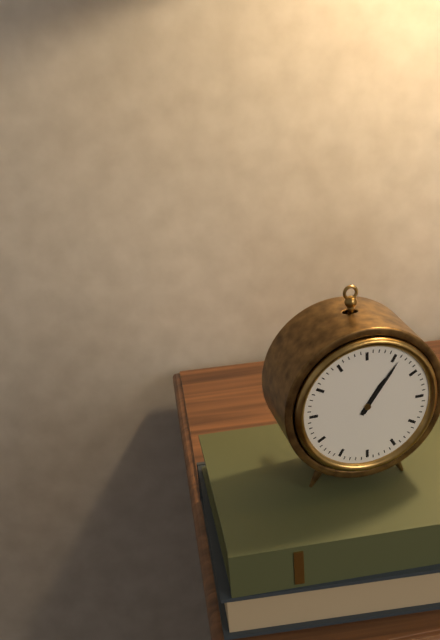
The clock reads 1.06
